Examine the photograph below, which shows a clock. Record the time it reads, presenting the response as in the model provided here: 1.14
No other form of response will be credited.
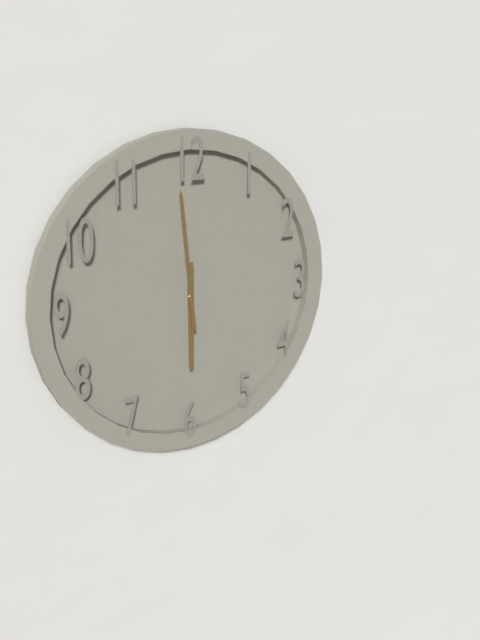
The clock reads 5.59
